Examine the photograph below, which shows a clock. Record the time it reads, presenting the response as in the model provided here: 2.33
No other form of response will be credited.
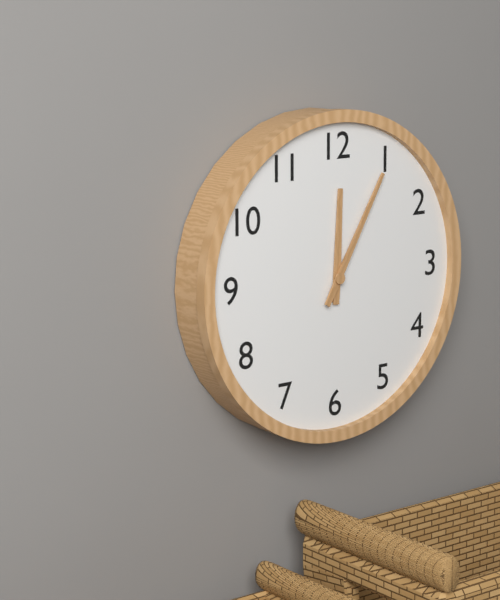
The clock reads 12.05
